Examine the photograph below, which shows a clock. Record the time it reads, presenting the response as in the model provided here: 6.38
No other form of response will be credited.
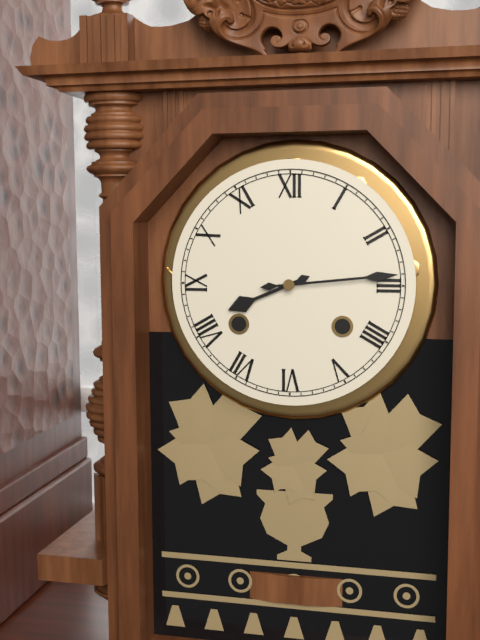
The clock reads 8.14
